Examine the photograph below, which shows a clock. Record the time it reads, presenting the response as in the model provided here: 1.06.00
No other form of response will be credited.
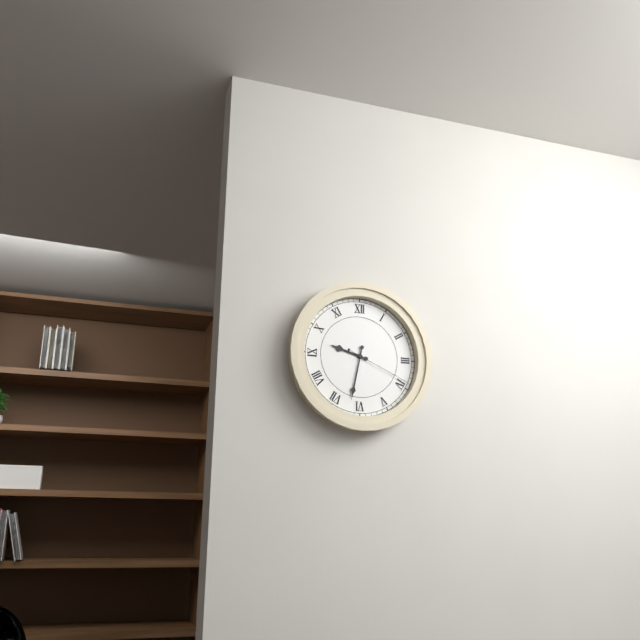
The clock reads 9.32.19
